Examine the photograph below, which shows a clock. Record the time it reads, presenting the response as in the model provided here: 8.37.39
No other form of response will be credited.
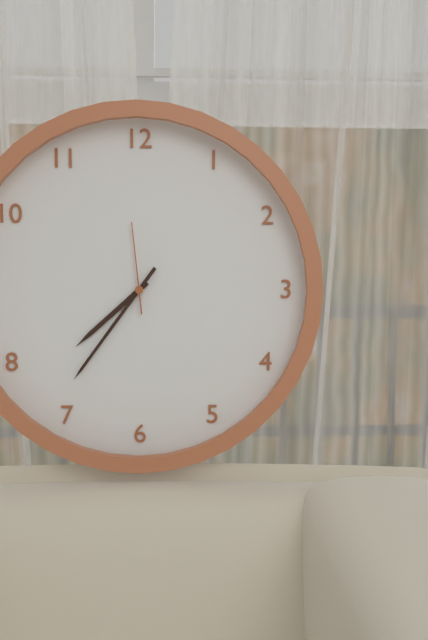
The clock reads 7.36.59
